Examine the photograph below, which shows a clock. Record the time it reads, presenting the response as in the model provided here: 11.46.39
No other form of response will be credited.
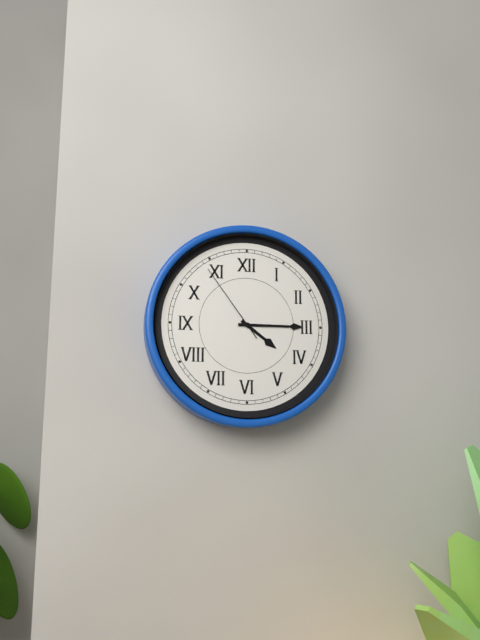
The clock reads 4.15.54
